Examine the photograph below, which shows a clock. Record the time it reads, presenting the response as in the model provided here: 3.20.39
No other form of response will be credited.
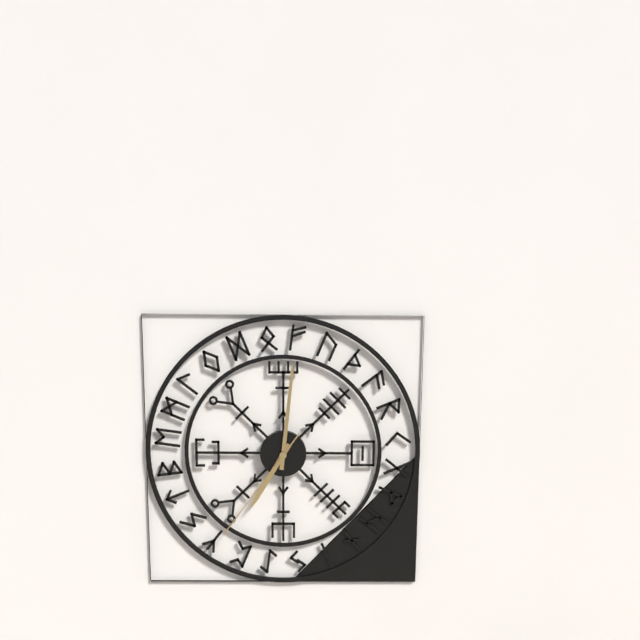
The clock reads 7.01.36
